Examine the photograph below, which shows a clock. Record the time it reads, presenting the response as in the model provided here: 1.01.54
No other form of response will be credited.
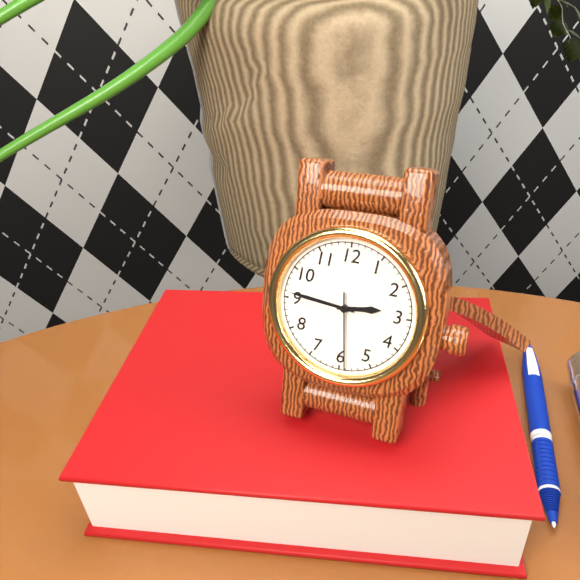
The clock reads 2.46.29
